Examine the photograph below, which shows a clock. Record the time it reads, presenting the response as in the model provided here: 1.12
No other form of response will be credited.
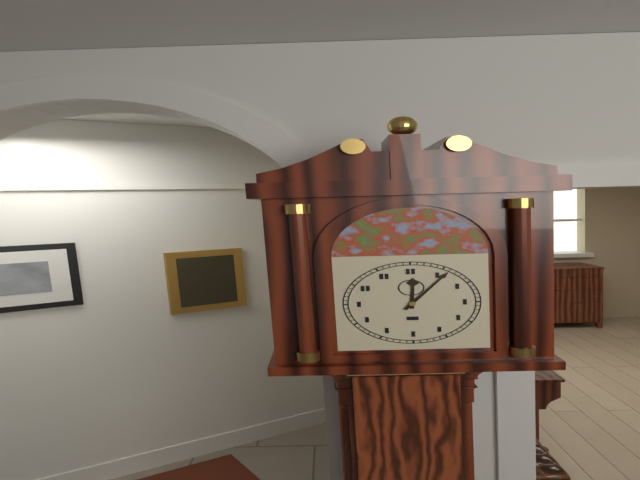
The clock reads 12.06
